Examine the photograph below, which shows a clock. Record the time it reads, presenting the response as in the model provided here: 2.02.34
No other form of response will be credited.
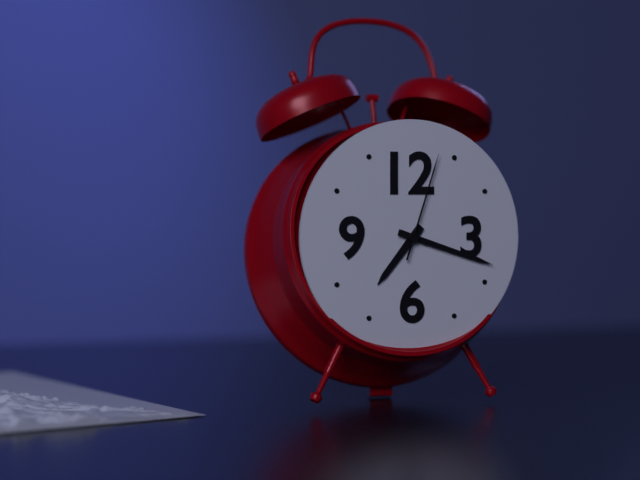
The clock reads 7.18.03
